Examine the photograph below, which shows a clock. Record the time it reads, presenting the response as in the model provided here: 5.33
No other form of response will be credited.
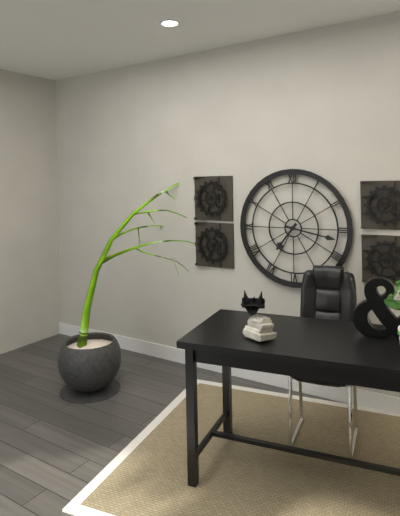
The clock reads 7.17
